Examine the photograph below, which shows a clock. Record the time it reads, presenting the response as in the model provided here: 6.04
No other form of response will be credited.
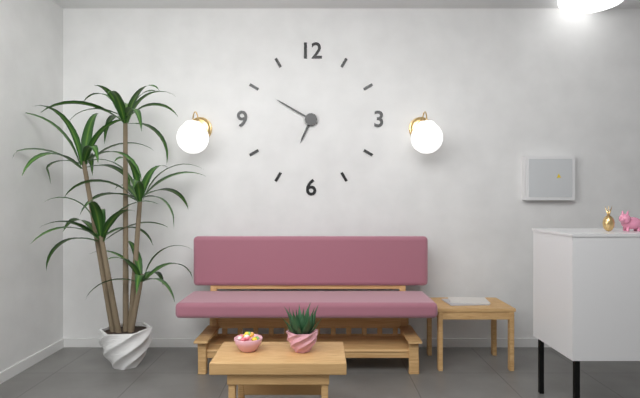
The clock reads 6.50
